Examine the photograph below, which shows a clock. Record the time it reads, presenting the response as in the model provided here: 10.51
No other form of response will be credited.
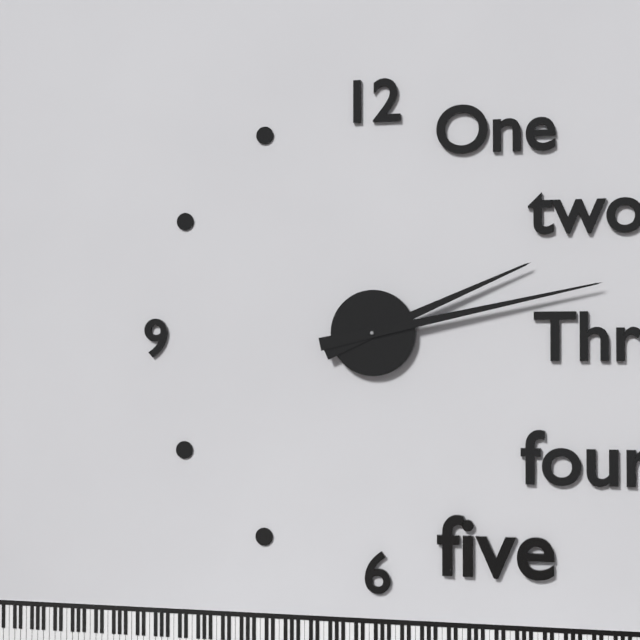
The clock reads 2.13
